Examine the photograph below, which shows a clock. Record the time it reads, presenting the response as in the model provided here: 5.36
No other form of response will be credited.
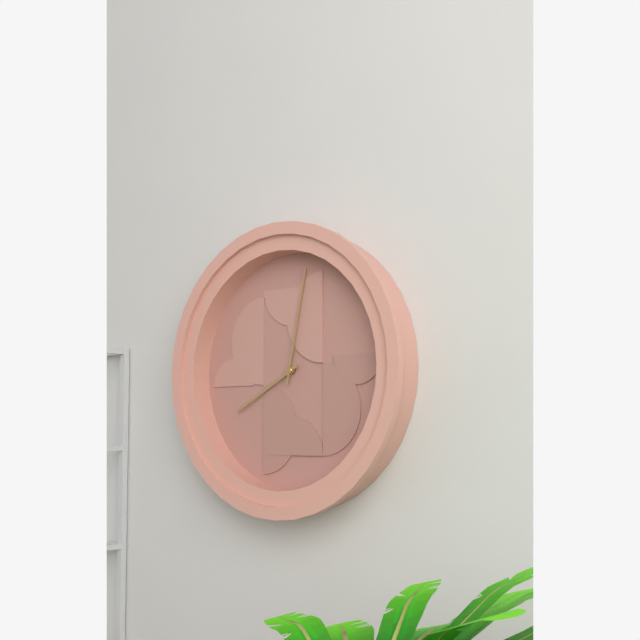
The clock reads 8.02
